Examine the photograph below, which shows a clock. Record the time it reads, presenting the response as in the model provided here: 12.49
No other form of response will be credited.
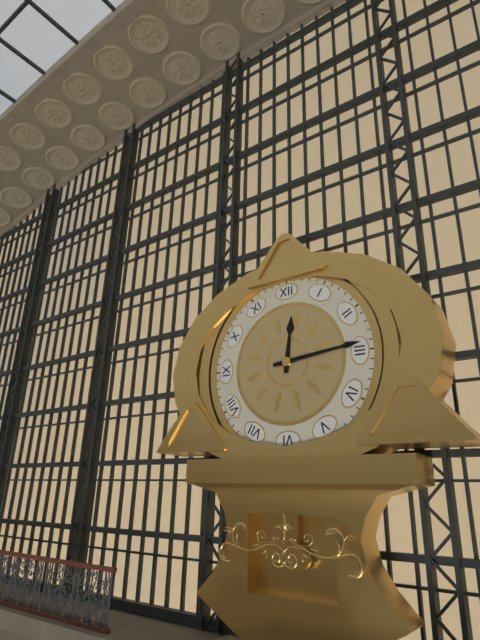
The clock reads 12.14
